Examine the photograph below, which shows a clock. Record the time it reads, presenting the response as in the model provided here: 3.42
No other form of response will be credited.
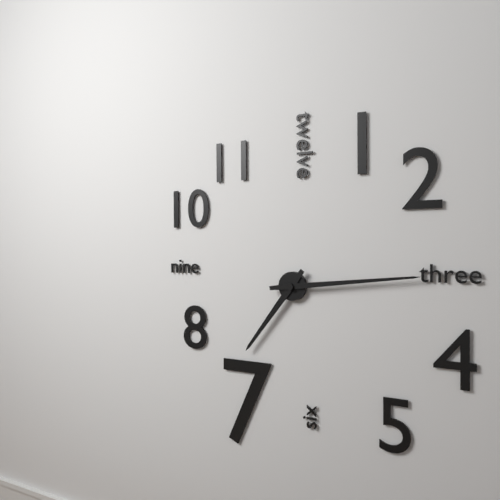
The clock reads 7.14
